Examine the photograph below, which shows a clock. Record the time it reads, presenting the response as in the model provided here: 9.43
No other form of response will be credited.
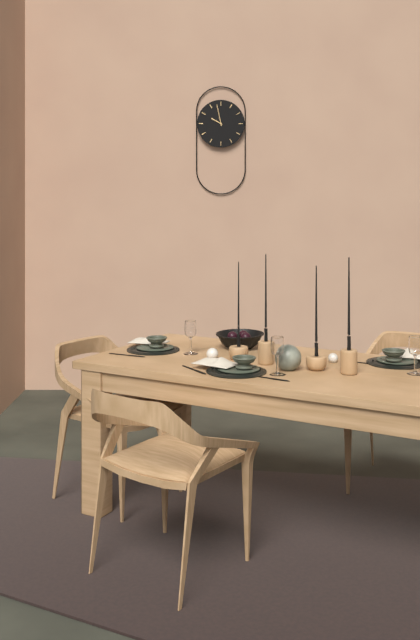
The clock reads 9.58
